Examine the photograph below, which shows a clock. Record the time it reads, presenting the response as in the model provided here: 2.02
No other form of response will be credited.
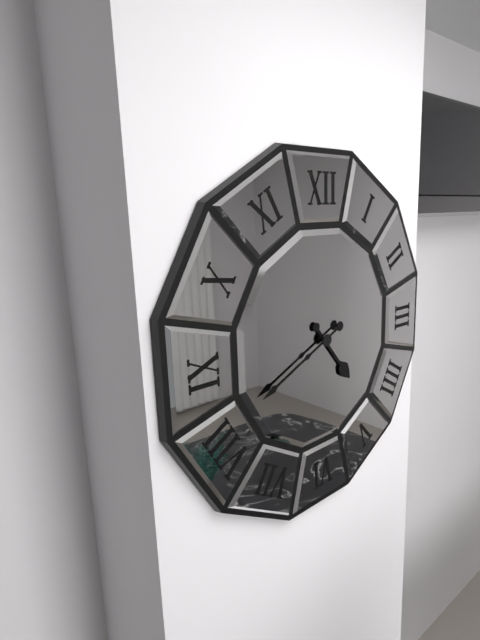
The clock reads 4.41
